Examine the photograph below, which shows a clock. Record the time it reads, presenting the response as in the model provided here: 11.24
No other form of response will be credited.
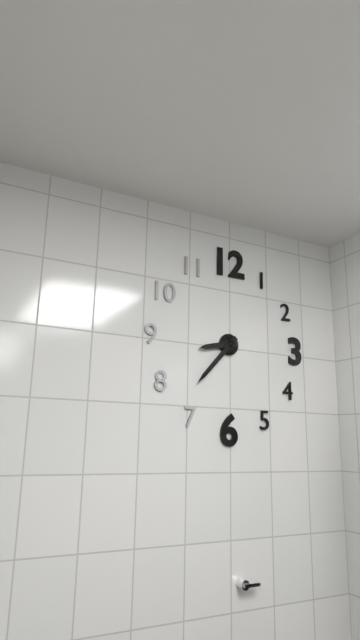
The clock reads 8.37
